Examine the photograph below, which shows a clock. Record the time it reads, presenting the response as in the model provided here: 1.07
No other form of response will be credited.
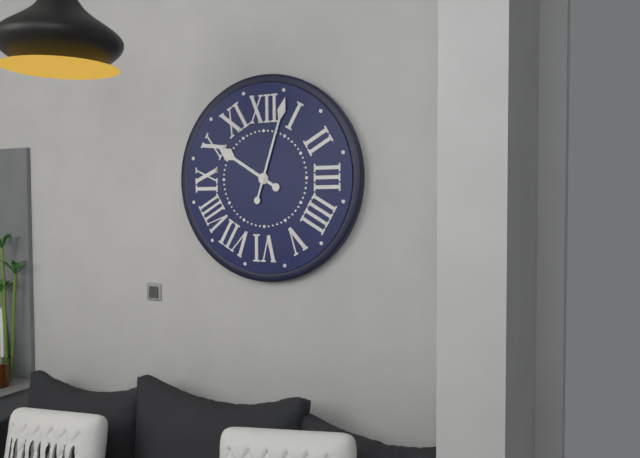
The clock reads 10.03
